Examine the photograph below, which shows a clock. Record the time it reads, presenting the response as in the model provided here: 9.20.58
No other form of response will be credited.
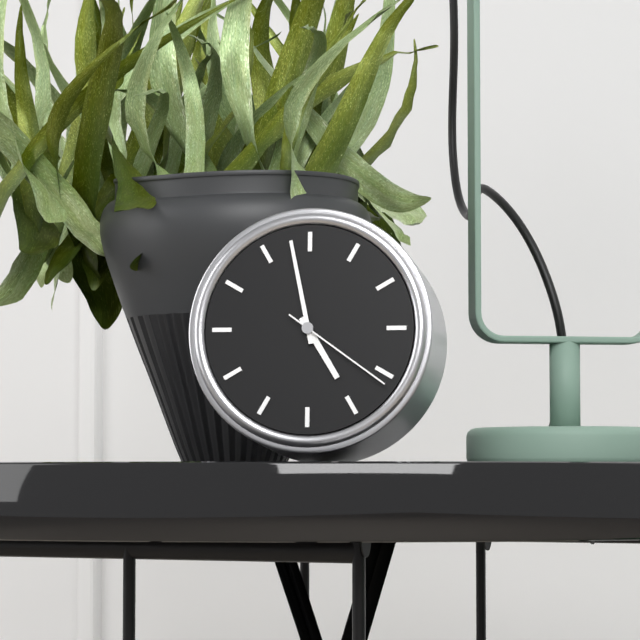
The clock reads 4.58.21
